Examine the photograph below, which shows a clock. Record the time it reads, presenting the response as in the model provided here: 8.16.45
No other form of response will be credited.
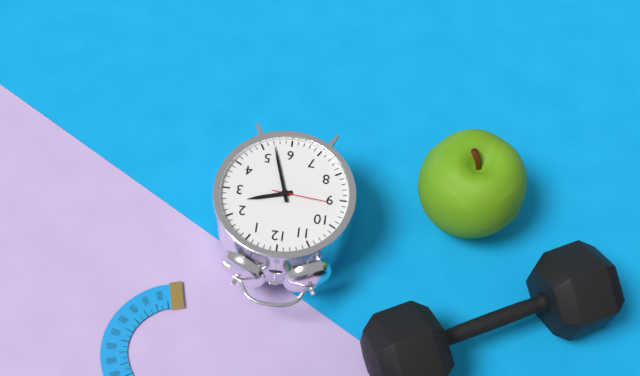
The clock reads 2.27.46
